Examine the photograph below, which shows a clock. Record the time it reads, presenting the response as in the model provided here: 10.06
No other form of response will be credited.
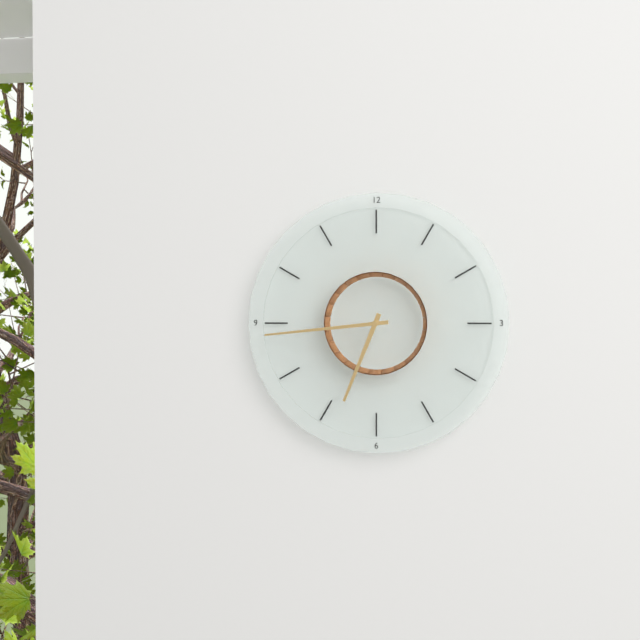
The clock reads 6.44
